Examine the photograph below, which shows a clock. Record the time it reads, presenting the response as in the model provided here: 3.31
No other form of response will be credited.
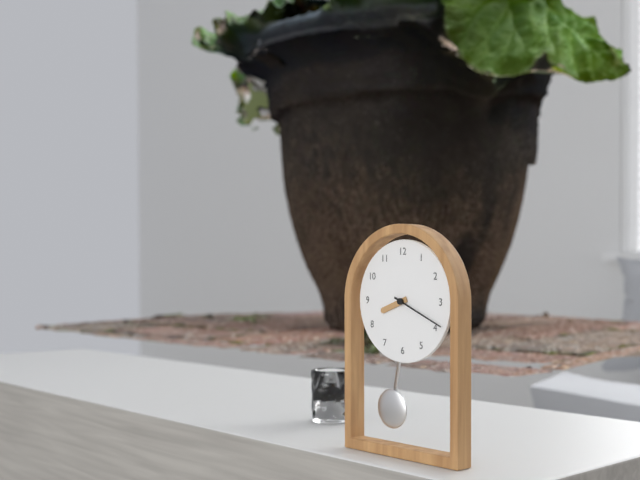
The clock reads 8.19
